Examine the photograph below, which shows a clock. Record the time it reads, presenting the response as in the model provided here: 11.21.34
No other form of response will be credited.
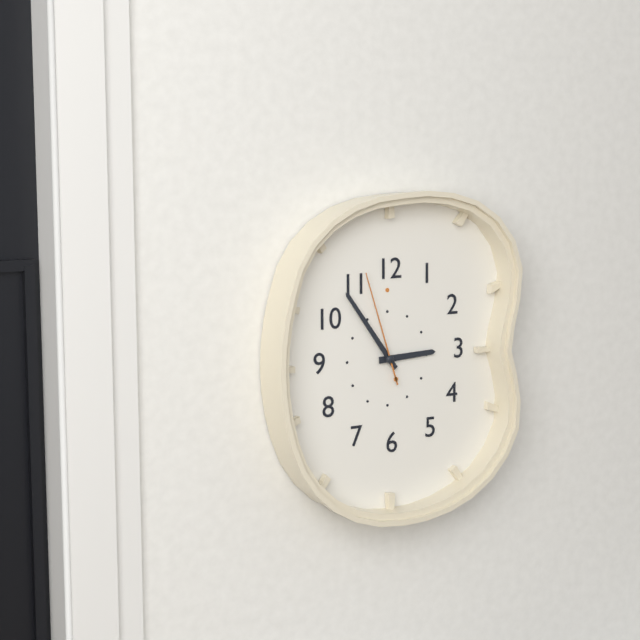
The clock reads 2.54.57
